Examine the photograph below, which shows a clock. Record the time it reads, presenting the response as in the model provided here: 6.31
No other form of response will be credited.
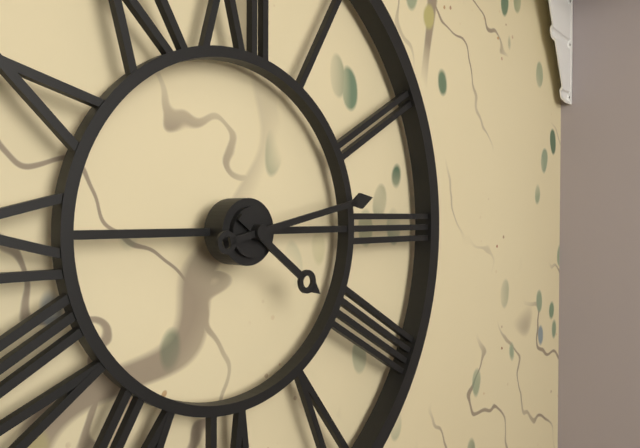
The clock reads 4.13
